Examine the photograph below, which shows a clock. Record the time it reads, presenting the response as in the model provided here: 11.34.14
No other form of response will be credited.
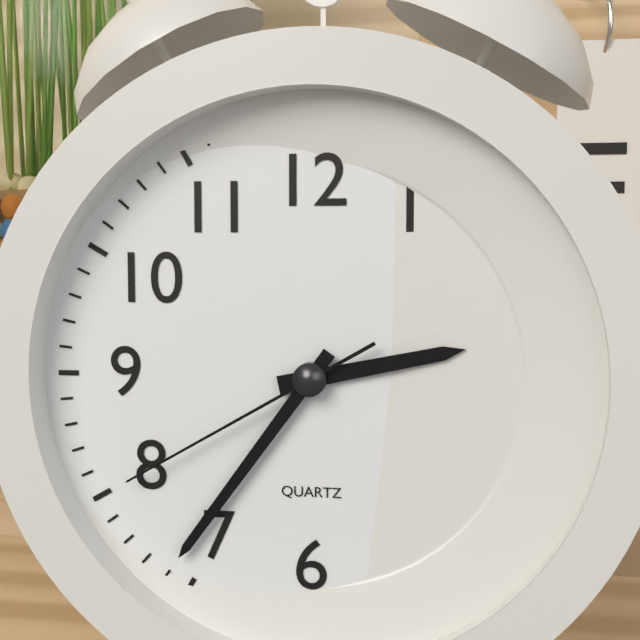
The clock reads 2.36.40
